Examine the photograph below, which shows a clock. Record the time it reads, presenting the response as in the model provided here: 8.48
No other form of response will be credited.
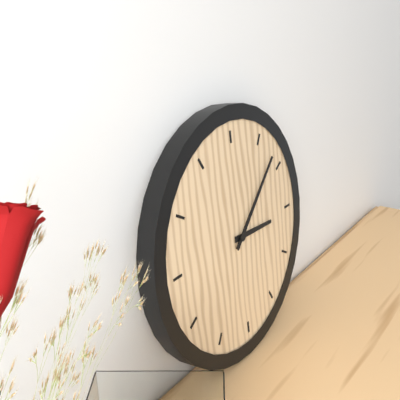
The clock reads 3.08
